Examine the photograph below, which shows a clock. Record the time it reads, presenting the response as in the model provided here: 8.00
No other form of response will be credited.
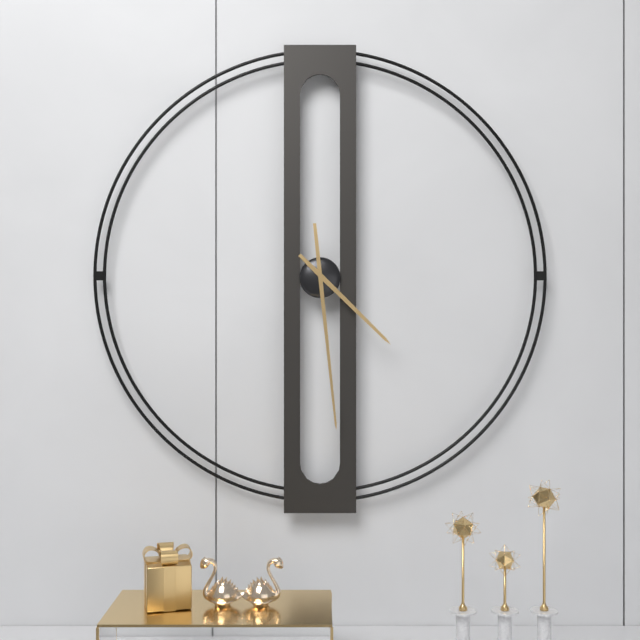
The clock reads 4.29
